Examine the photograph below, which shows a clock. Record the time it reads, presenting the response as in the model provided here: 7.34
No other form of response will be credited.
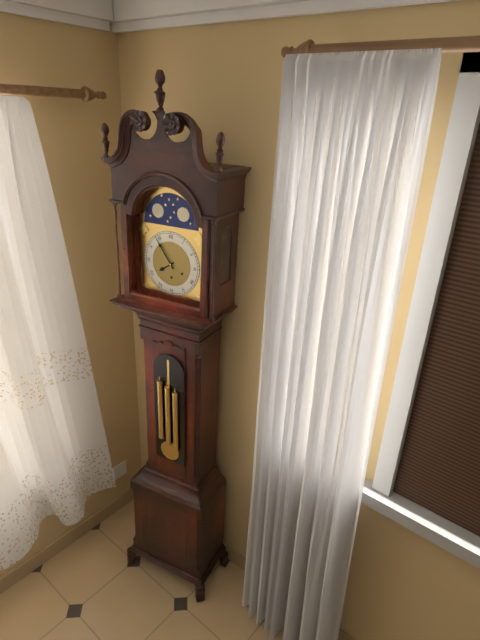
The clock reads 7.54
